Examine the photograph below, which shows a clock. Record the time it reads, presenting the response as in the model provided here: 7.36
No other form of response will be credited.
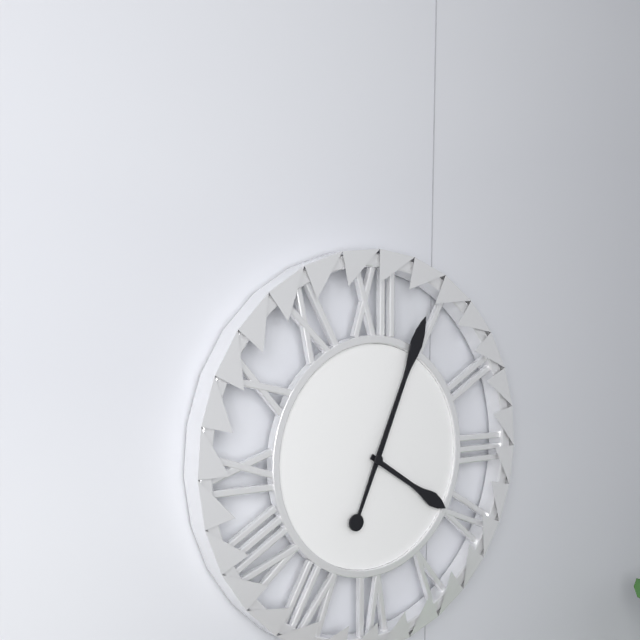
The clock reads 4.04
